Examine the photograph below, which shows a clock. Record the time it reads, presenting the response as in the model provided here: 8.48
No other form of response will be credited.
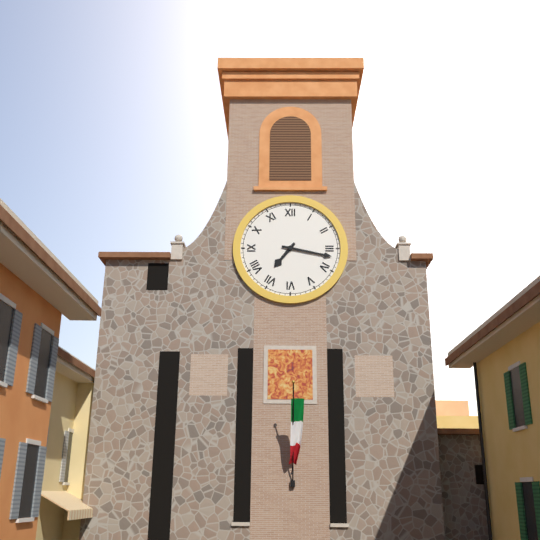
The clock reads 7.17
